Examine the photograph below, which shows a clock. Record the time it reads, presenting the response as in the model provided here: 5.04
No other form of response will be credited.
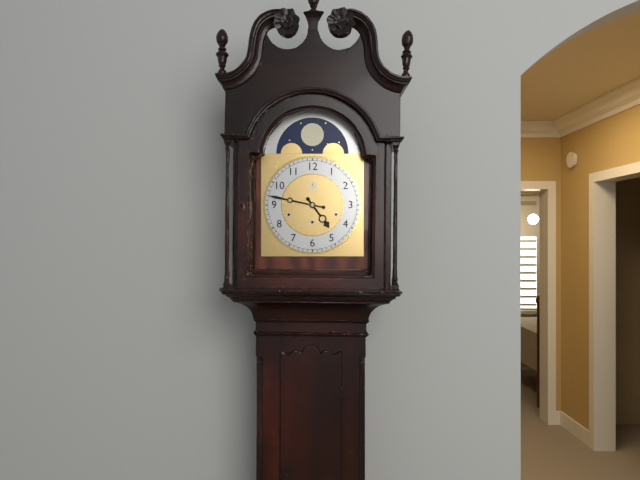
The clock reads 4.47
